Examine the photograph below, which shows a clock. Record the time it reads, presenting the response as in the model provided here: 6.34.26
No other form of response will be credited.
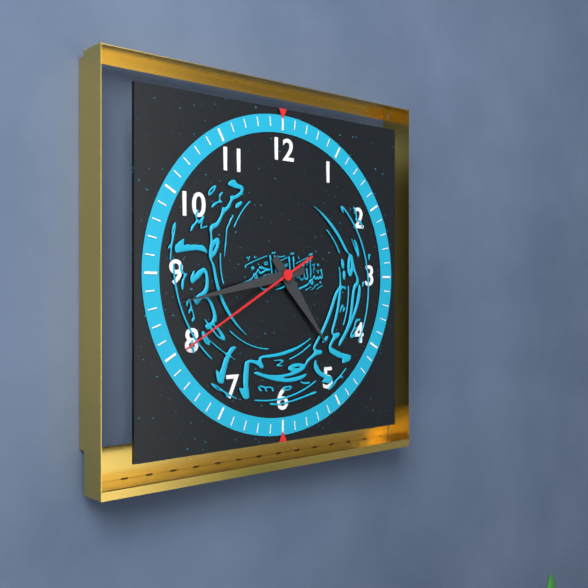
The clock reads 4.43.40
